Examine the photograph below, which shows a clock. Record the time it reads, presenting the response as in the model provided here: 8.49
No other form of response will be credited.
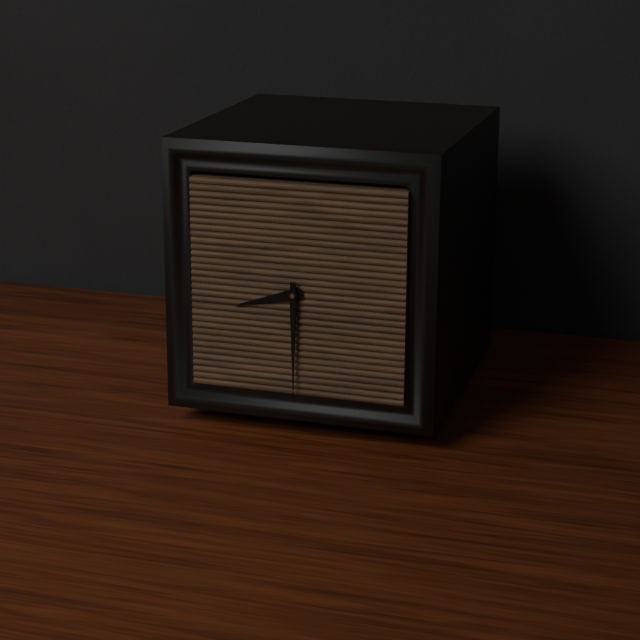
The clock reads 8.30
